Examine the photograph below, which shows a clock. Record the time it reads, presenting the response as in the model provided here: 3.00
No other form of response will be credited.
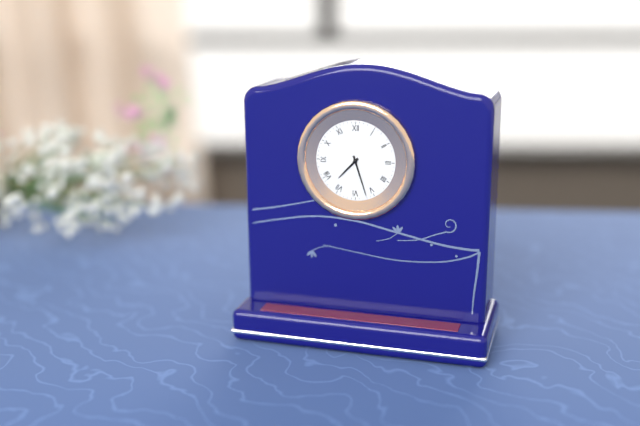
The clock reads 7.27
